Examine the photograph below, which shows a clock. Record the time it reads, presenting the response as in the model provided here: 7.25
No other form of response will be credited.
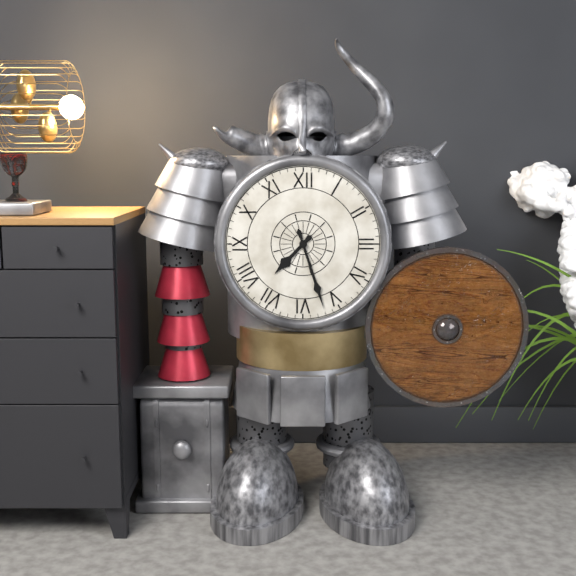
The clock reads 7.27
